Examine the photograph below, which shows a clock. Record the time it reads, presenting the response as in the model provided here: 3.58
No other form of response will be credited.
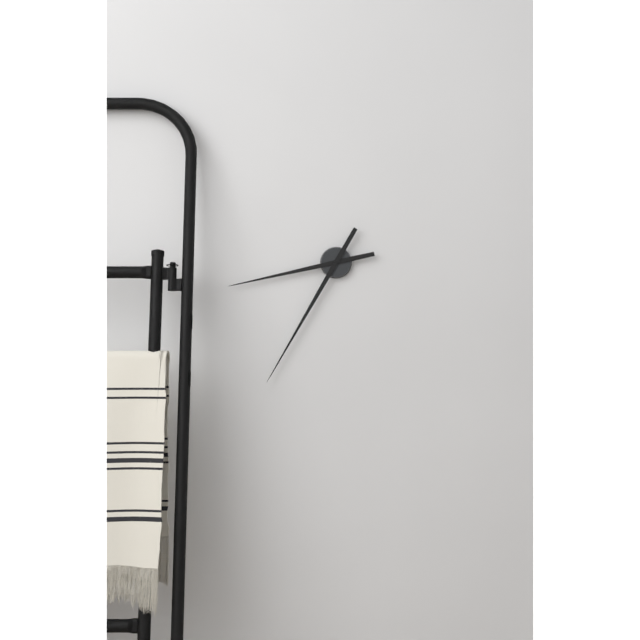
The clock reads 8.35
